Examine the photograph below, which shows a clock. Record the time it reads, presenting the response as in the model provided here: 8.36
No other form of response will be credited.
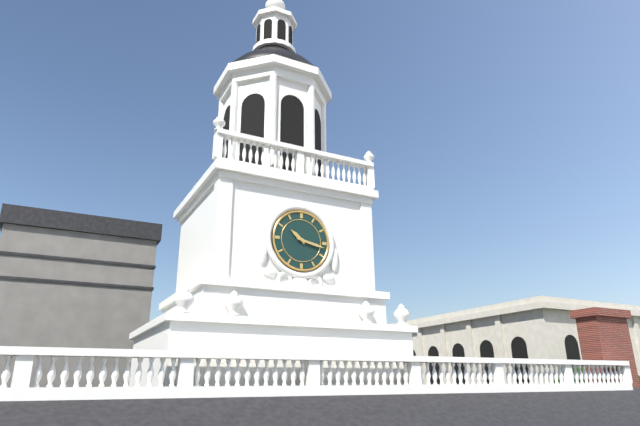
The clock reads 10.17
